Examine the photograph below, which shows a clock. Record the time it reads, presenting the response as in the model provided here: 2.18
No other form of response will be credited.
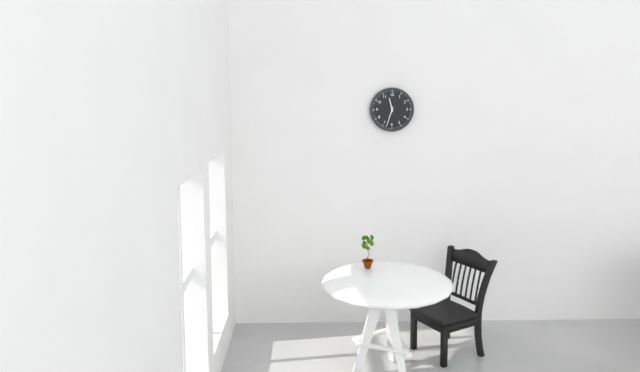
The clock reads 11.33
